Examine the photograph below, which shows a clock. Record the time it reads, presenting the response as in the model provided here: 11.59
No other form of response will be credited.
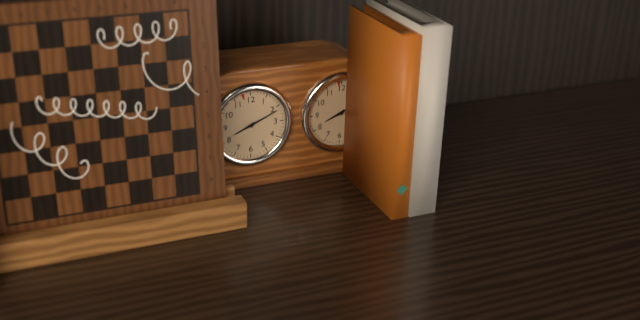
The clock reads 8.11
